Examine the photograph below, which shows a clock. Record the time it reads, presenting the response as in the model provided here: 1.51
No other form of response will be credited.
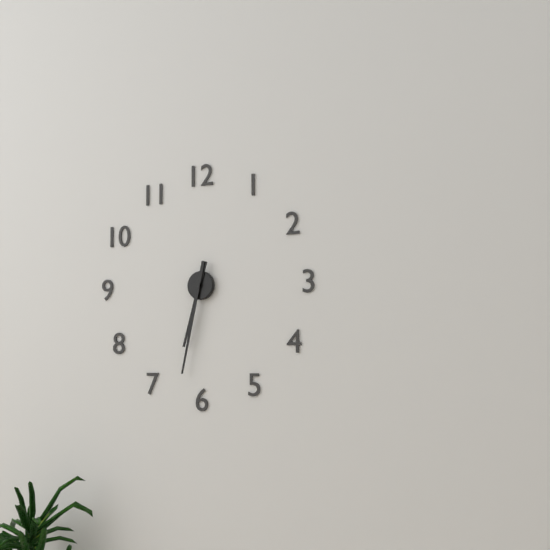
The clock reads 6.32
